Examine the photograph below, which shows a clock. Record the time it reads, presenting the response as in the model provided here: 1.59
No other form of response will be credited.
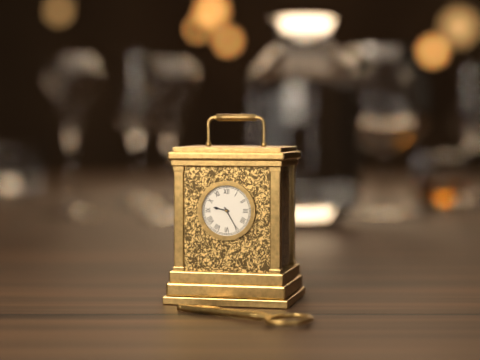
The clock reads 9.25
